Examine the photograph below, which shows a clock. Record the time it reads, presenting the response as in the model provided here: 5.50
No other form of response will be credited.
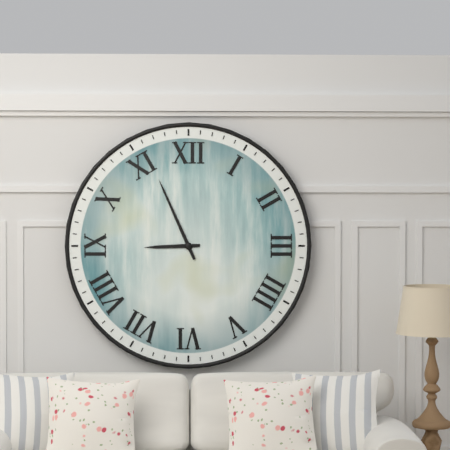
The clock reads 8.56
